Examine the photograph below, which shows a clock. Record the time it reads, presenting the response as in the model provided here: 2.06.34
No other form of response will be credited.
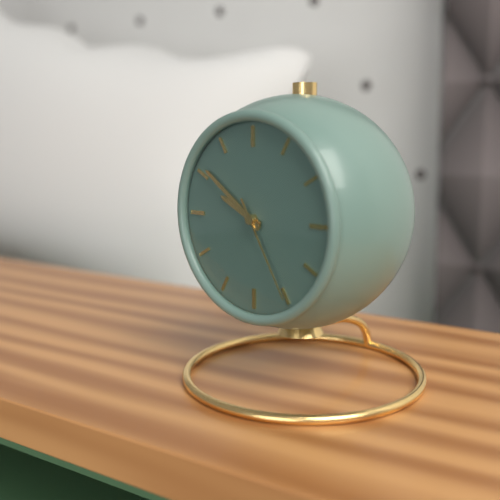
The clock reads 9.51.25
